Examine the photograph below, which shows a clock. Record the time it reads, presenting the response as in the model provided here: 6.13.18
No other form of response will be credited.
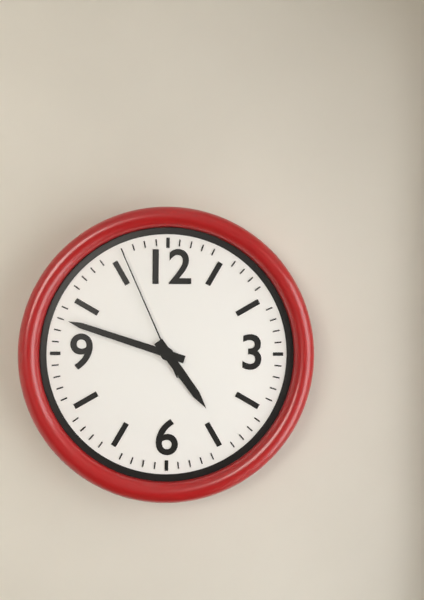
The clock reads 4.48.56
